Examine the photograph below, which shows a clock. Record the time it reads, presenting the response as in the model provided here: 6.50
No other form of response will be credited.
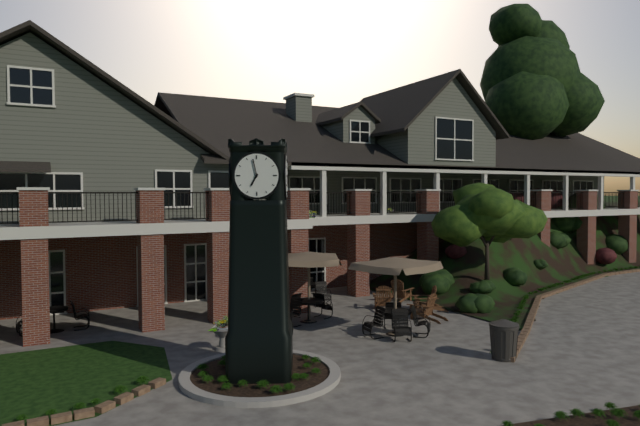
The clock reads 6.58
